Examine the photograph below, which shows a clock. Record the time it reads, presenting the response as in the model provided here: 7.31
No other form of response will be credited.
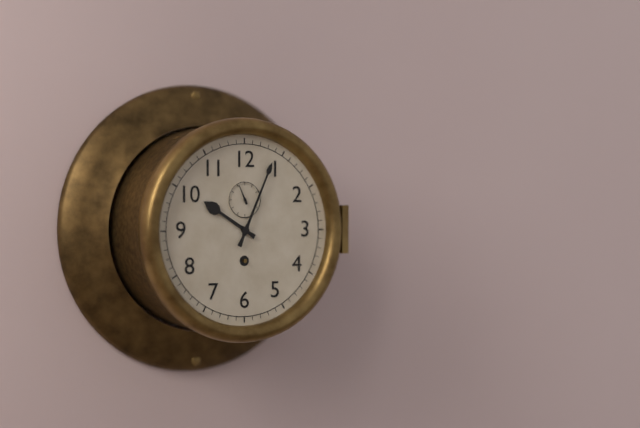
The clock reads 10.04
